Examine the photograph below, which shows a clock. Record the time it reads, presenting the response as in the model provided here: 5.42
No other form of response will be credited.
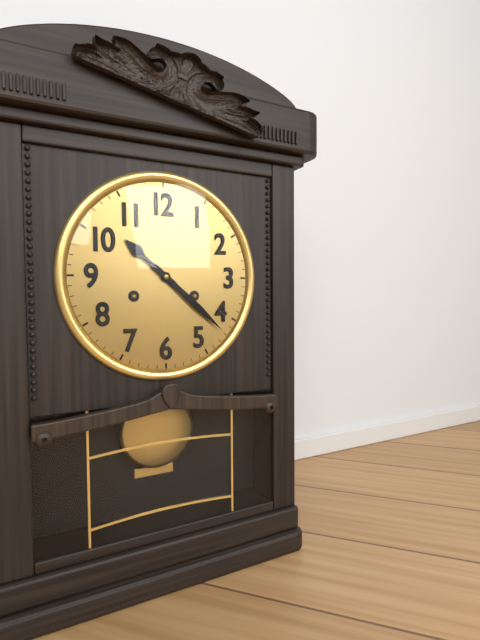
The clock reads 10.22
